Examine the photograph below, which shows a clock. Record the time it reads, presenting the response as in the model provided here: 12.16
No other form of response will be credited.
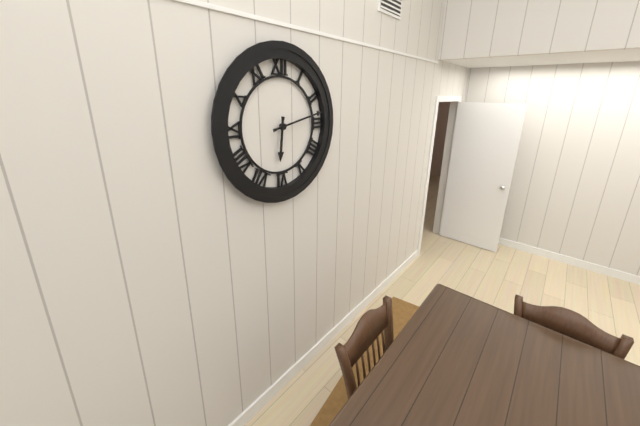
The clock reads 6.13
